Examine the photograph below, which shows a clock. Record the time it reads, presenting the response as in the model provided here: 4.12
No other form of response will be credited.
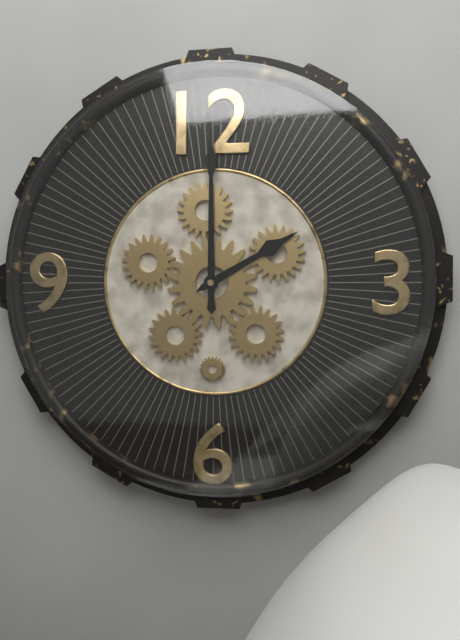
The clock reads 2.00
